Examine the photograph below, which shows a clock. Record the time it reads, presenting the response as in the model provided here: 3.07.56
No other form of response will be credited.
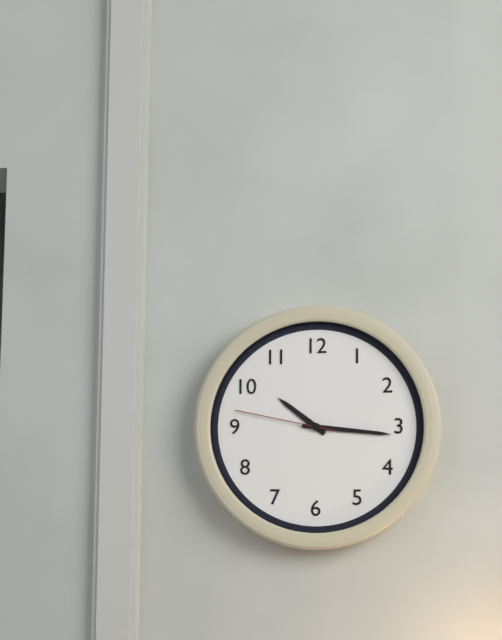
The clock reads 10.16.47
